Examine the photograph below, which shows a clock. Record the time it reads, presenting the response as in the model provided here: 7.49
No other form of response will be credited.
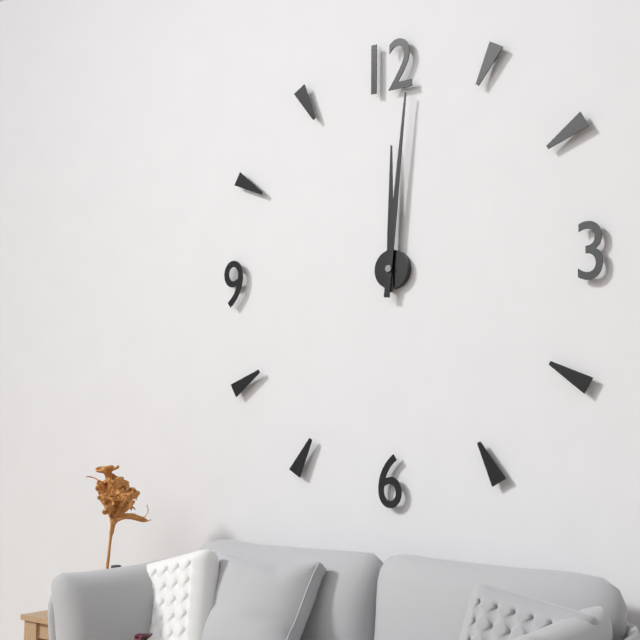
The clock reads 12.01
